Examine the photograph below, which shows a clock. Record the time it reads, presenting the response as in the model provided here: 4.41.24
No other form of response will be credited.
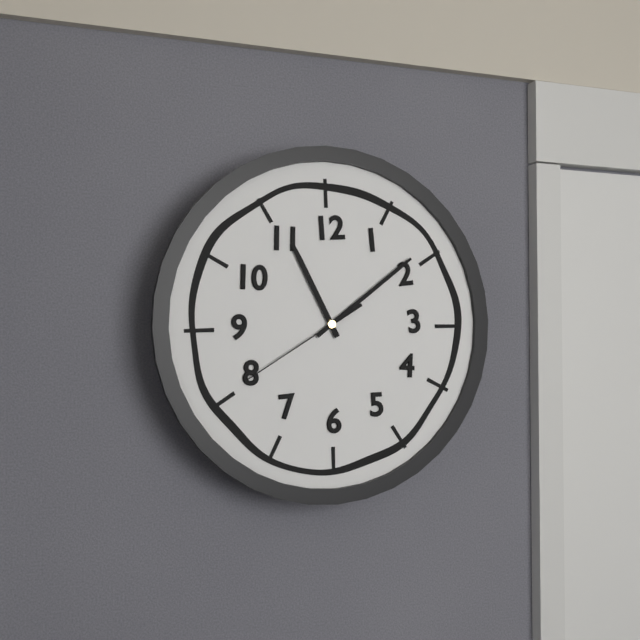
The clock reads 11.09.40
